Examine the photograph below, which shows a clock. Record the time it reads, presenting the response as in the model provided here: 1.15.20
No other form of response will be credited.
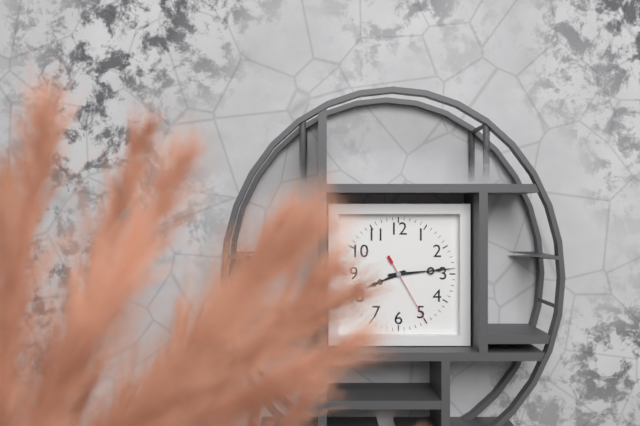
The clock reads 8.14.25
